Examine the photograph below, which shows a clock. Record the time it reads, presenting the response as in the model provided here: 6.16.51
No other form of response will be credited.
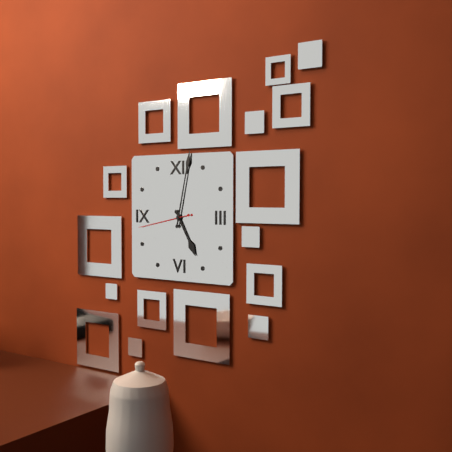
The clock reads 5.02.43
